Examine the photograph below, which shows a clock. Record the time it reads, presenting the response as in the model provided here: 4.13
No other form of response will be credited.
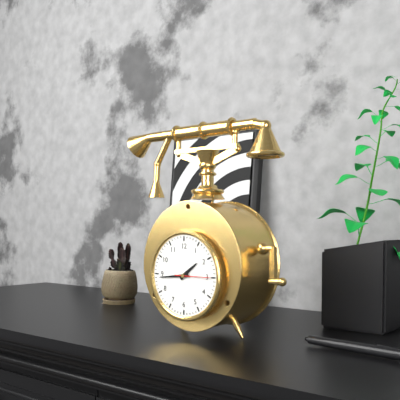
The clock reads 1.44
